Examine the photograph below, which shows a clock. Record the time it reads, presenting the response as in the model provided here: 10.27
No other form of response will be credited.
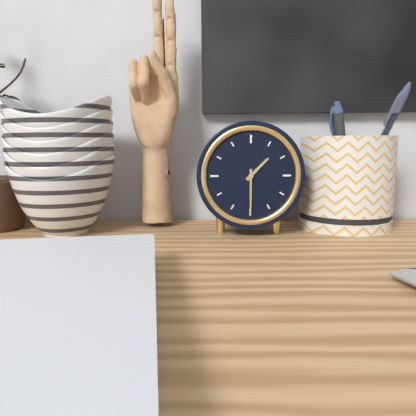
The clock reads 1.30
